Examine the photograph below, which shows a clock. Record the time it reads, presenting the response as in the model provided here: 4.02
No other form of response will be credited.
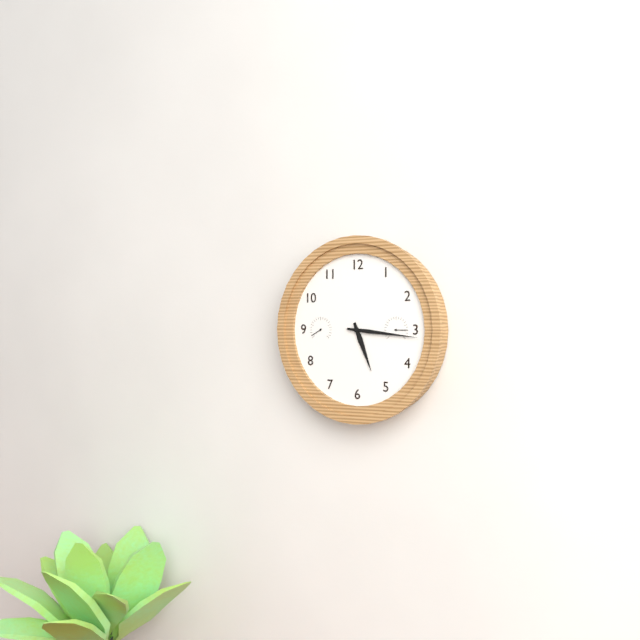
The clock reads 5.16
